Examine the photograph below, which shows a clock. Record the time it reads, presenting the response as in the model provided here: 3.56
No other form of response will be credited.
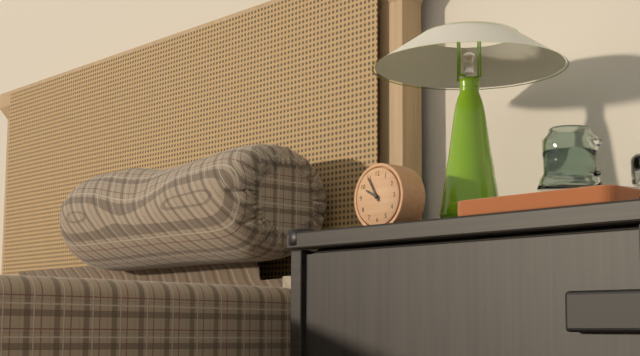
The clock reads 9.55
